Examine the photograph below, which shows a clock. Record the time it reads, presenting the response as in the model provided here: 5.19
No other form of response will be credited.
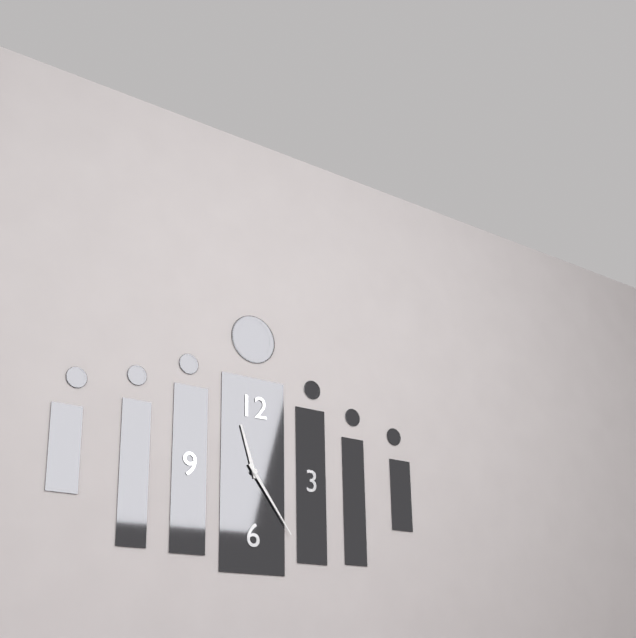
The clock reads 11.24
